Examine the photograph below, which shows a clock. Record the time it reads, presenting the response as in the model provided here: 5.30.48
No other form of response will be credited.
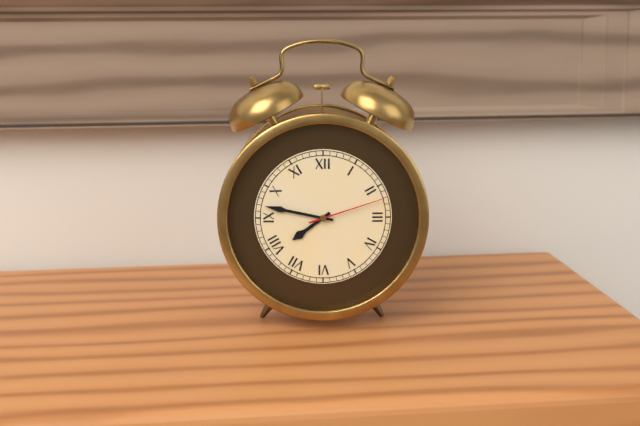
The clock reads 7.47.12
